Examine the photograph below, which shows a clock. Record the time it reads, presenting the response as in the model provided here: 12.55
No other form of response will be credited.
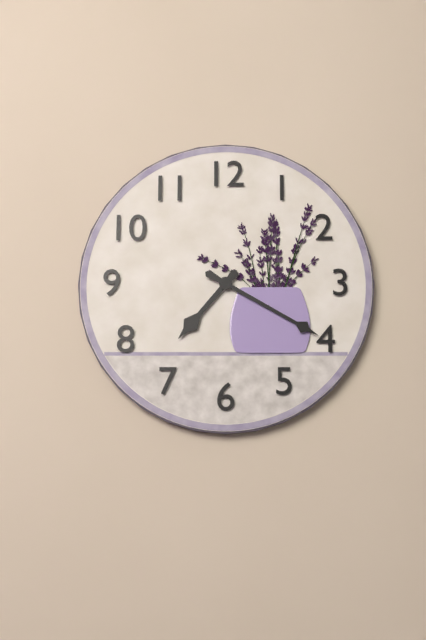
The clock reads 7.20
